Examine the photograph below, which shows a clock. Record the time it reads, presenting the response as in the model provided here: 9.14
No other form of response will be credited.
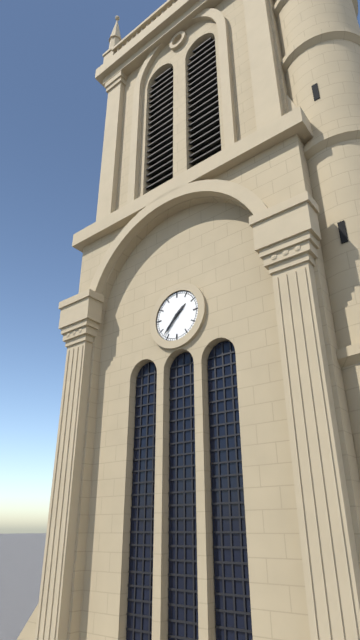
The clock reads 1.37
